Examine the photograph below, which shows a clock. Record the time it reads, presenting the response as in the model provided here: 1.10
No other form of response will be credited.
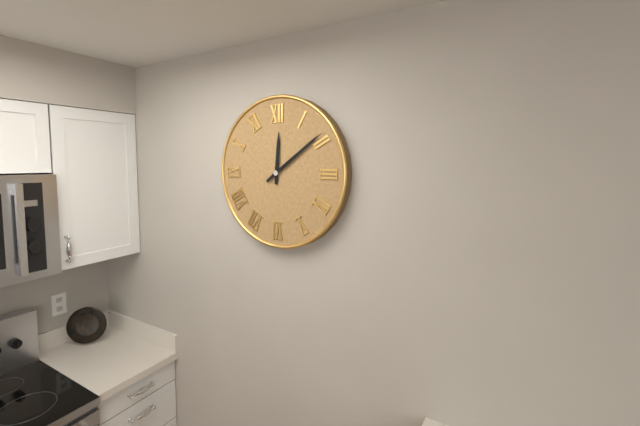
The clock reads 12.09
